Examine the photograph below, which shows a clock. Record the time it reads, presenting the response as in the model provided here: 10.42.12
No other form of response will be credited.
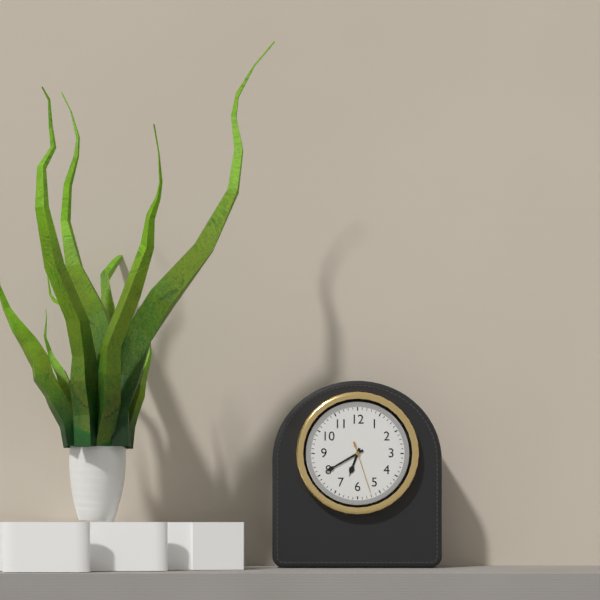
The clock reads 6.40.27
